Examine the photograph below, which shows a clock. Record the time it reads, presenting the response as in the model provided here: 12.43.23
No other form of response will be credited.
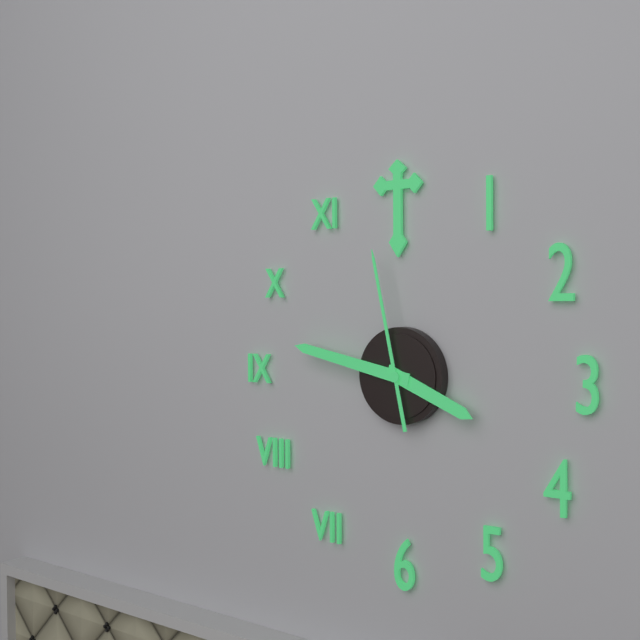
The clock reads 3.47.58
